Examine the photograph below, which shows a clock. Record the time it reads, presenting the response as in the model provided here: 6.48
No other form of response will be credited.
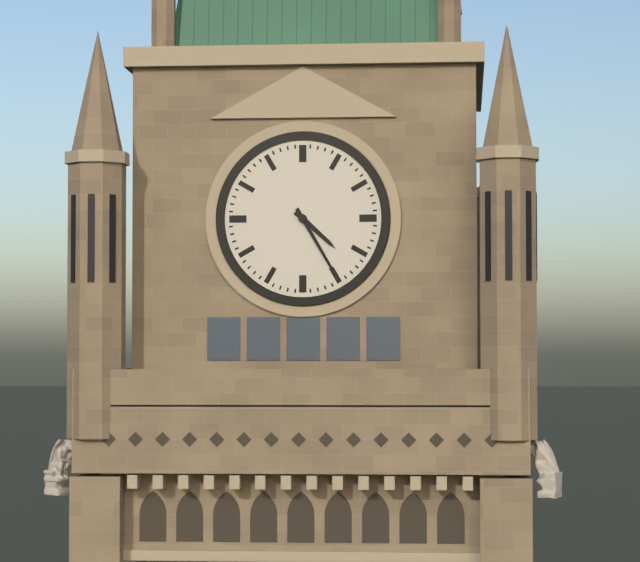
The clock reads 4.25
